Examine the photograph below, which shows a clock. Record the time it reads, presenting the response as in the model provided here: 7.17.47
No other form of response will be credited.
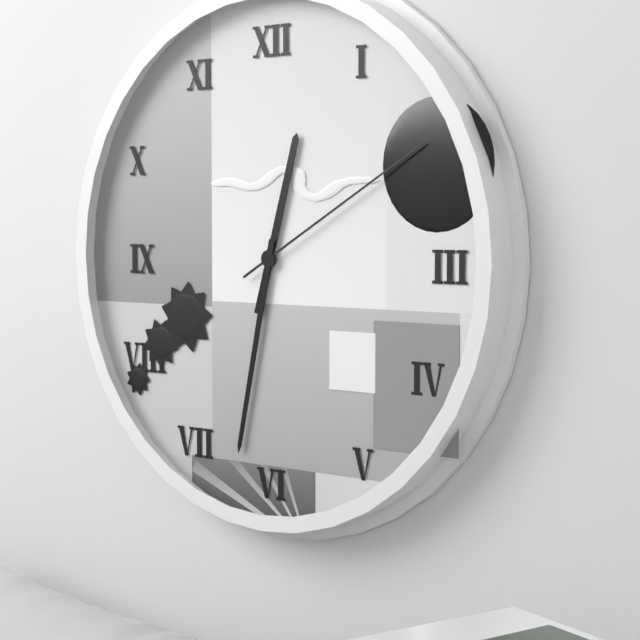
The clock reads 12.32.10
